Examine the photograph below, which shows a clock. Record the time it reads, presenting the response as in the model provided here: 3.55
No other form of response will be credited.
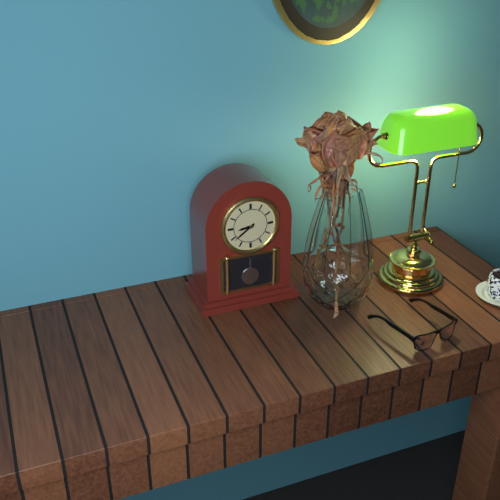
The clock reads 8.39
